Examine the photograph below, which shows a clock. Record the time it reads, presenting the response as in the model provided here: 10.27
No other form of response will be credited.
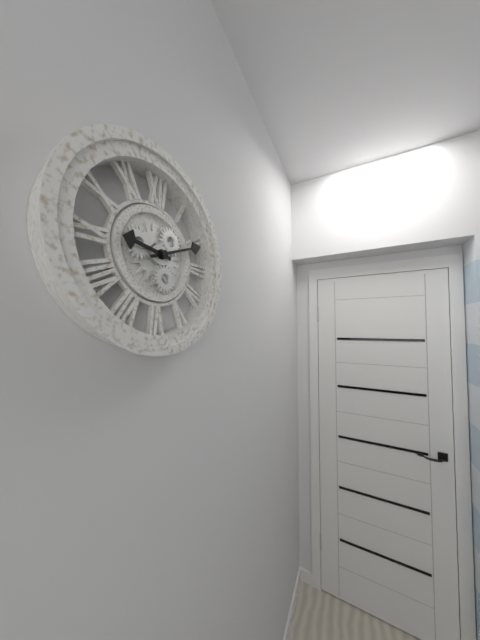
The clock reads 9.11
